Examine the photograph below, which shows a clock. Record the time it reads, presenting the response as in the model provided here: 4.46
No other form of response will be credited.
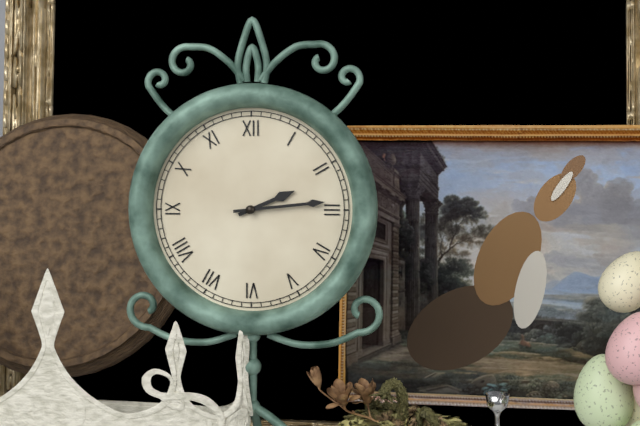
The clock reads 2.14
